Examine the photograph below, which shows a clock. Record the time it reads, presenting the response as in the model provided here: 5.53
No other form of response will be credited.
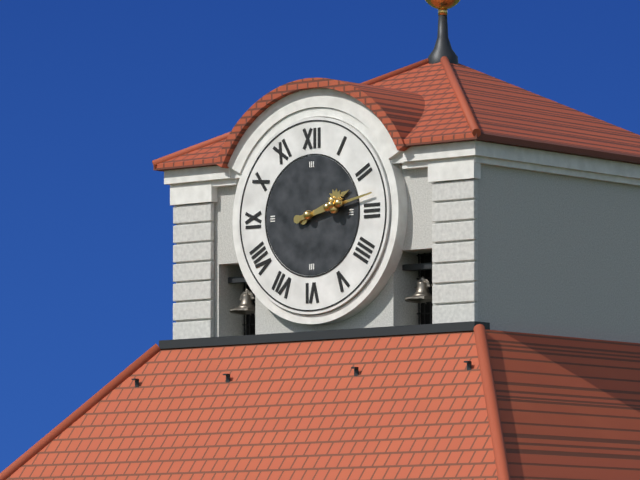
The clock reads 2.13
